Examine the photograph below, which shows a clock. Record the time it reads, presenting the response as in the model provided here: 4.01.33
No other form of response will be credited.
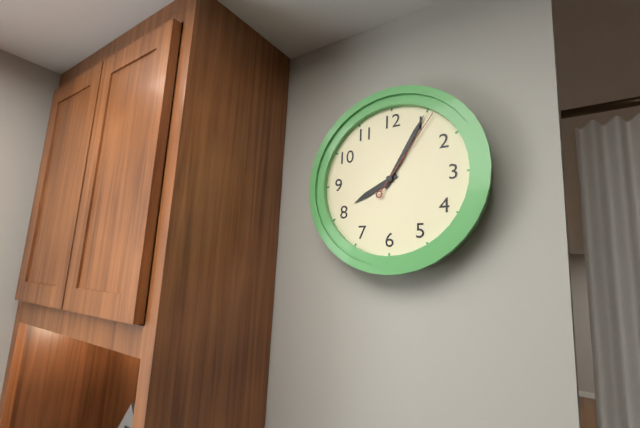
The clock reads 8.05.06
